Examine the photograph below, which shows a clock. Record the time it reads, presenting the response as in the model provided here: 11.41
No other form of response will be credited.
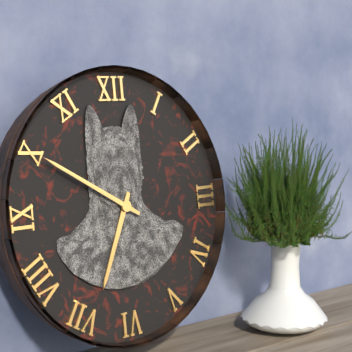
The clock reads 6.50
